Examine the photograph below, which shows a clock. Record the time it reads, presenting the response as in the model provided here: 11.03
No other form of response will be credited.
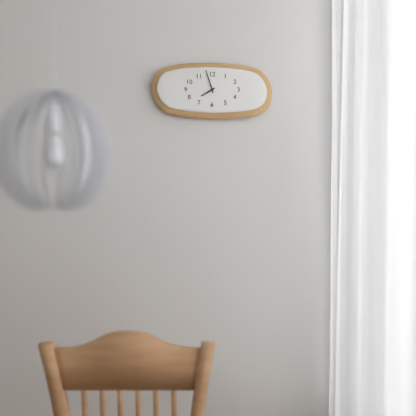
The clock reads 7.57
